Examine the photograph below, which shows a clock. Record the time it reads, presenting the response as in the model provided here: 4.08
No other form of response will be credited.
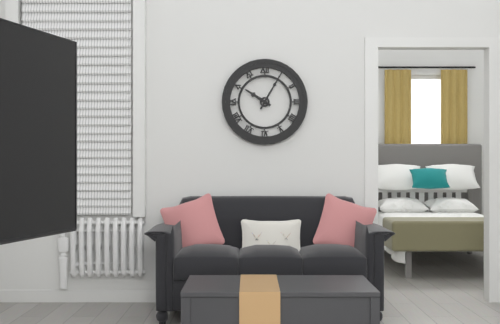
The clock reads 10.05
